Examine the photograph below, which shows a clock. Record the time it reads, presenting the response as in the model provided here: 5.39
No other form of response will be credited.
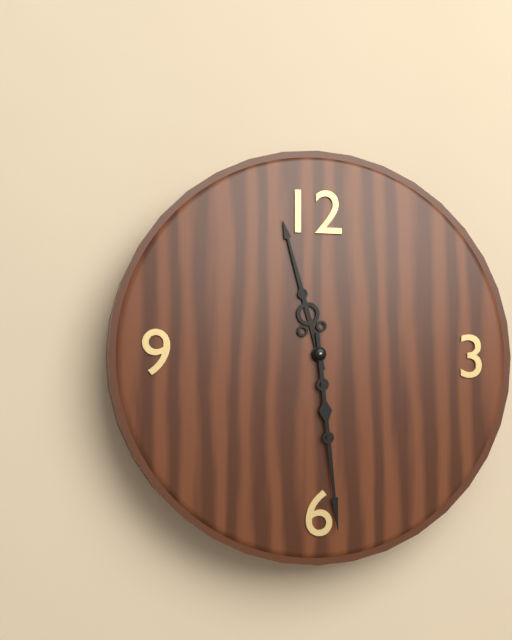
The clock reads 11.29
